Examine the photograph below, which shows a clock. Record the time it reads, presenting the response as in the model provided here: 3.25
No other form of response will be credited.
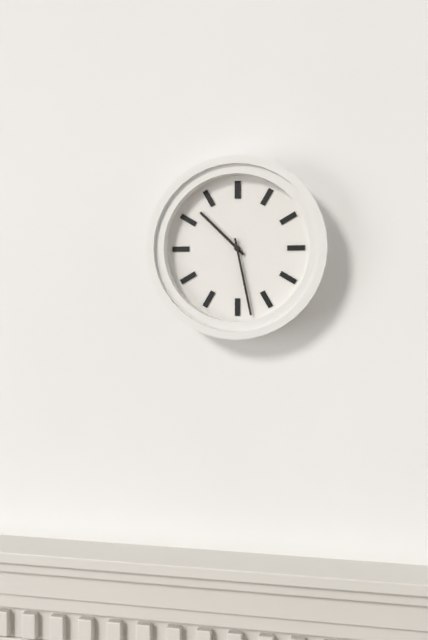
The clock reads 10.28
